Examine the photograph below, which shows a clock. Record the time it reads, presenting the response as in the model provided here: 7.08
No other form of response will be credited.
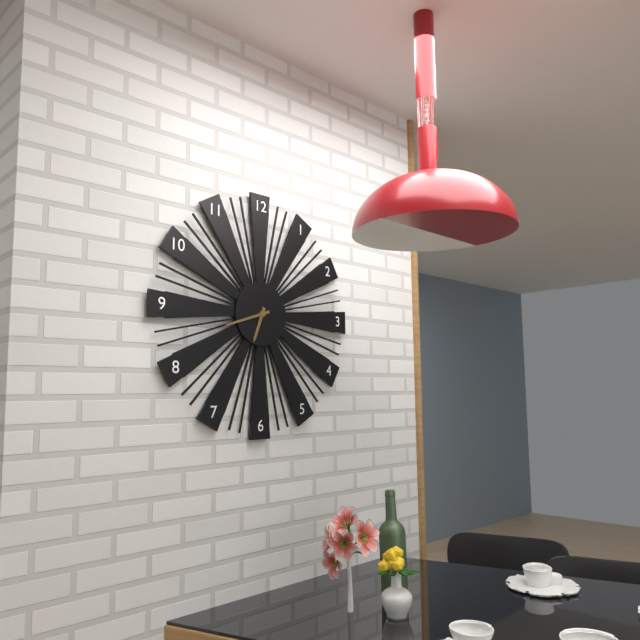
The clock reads 6.42
